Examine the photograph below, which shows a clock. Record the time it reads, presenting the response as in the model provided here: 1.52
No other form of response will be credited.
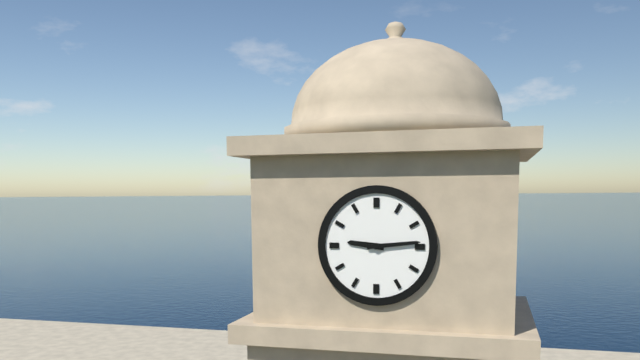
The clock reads 9.14
